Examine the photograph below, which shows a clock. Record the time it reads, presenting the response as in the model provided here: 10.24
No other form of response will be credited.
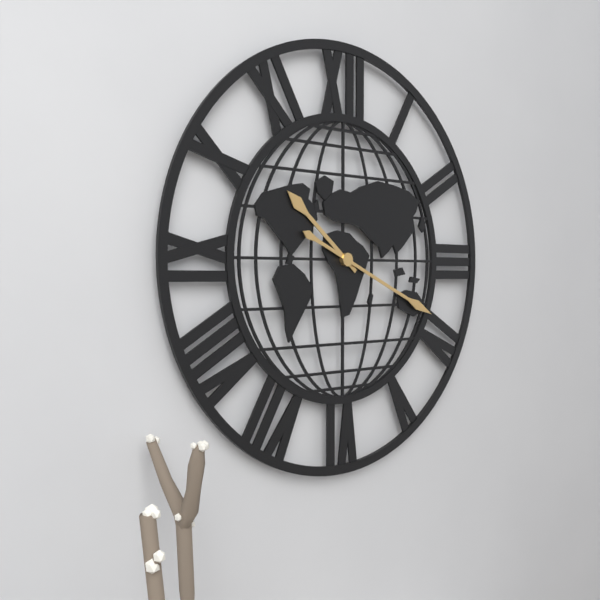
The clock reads 10.19
